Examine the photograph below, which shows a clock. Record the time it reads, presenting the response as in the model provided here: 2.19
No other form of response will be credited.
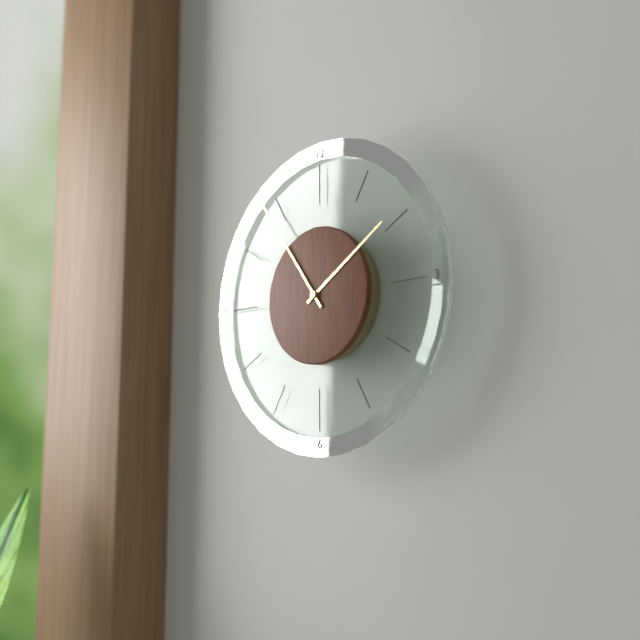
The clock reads 1.54
